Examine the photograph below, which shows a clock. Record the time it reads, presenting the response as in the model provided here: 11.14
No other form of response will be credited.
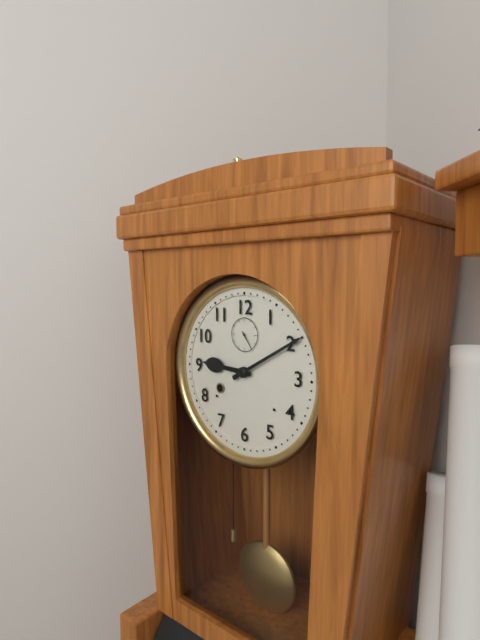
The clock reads 9.10
